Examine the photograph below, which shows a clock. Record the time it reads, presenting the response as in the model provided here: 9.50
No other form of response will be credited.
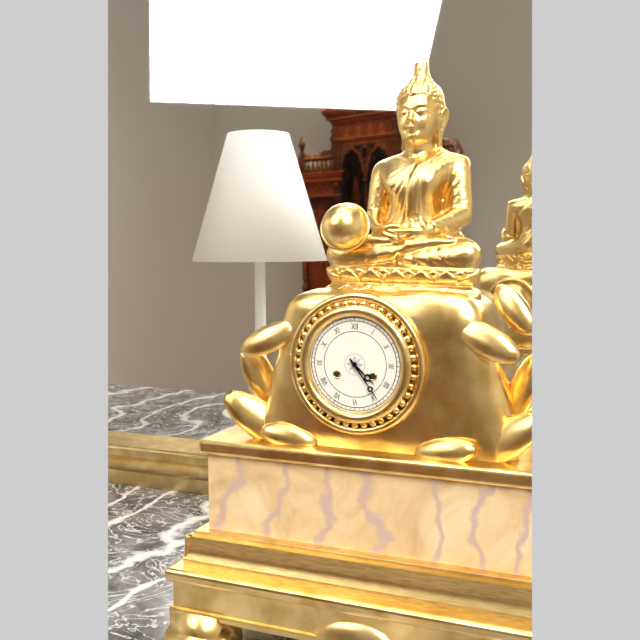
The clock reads 4.24
